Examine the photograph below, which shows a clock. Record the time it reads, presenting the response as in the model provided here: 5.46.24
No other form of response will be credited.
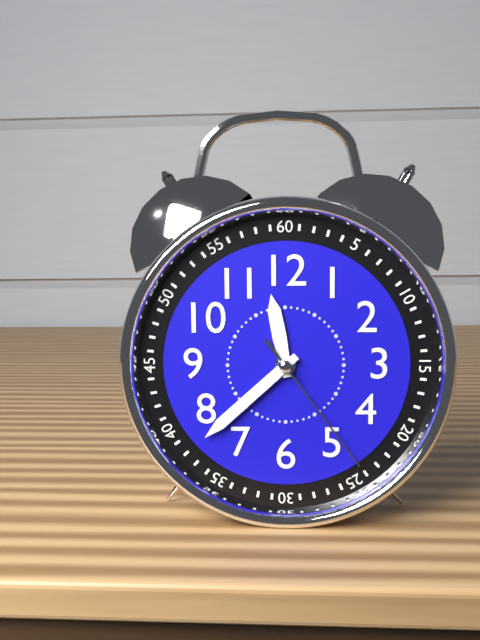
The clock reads 11.38.24
